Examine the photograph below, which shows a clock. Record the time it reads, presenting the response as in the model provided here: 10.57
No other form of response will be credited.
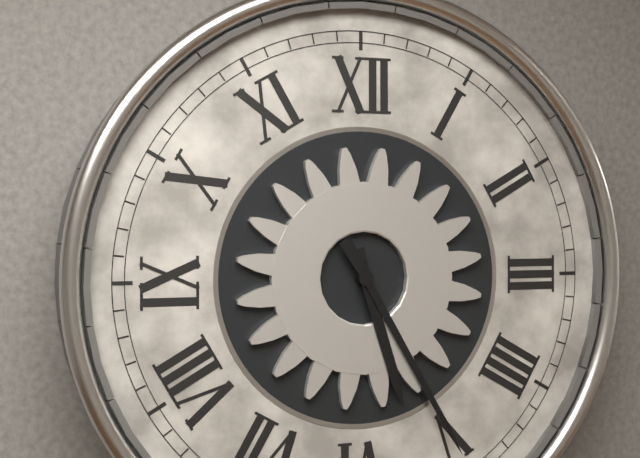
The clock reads 5.25
